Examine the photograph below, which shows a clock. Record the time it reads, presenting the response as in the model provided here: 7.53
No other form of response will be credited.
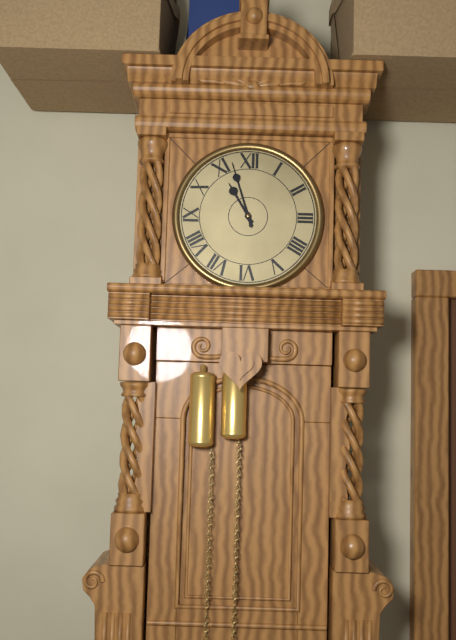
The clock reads 10.57
